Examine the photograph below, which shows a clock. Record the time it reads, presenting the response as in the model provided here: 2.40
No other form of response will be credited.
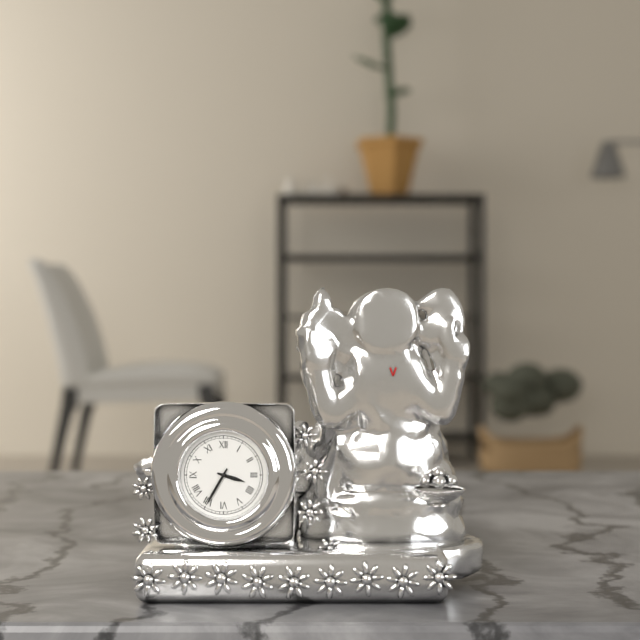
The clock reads 3.35
